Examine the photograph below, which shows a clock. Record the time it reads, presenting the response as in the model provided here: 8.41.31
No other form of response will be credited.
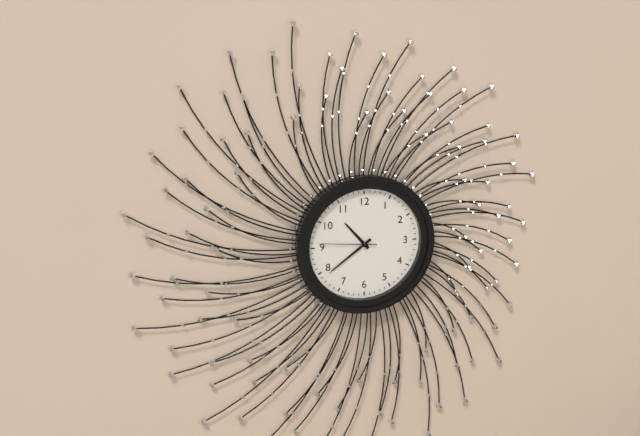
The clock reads 10.39.46
